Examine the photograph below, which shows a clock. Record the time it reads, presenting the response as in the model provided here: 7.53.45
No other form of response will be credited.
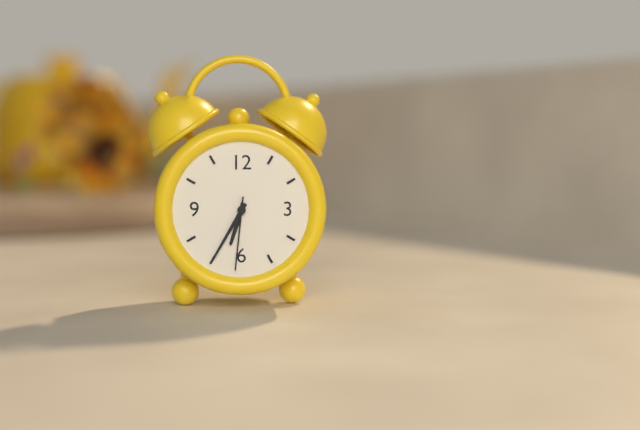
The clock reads 6.35.31
